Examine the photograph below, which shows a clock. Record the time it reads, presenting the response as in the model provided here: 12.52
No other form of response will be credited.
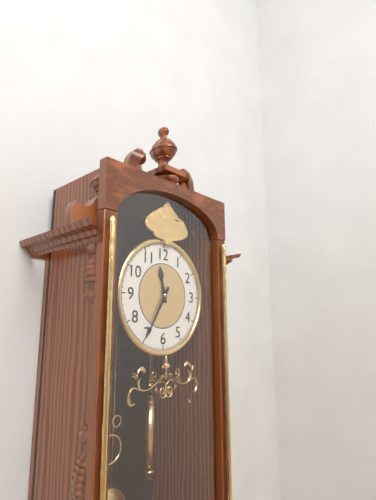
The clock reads 11.35
